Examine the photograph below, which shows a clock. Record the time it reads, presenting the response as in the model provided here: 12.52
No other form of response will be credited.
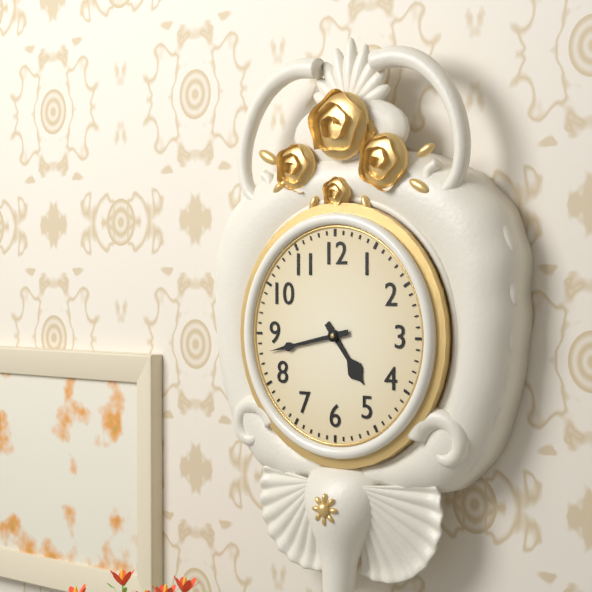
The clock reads 4.43
